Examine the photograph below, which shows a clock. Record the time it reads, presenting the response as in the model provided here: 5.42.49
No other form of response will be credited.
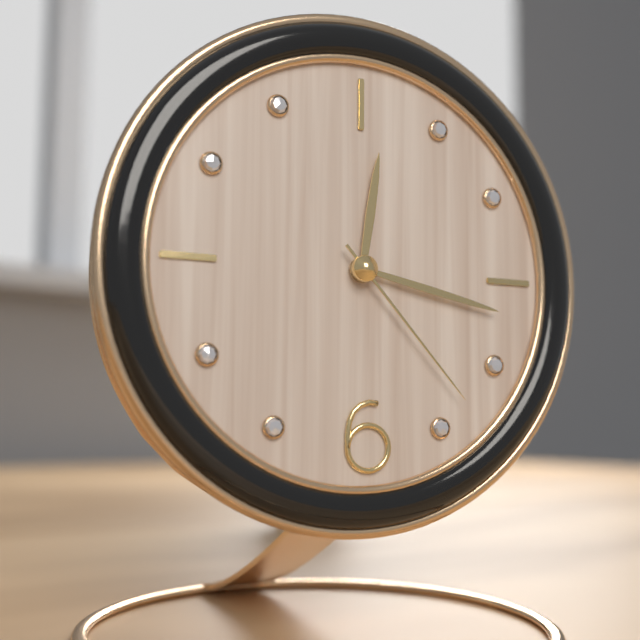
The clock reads 12.17.23
